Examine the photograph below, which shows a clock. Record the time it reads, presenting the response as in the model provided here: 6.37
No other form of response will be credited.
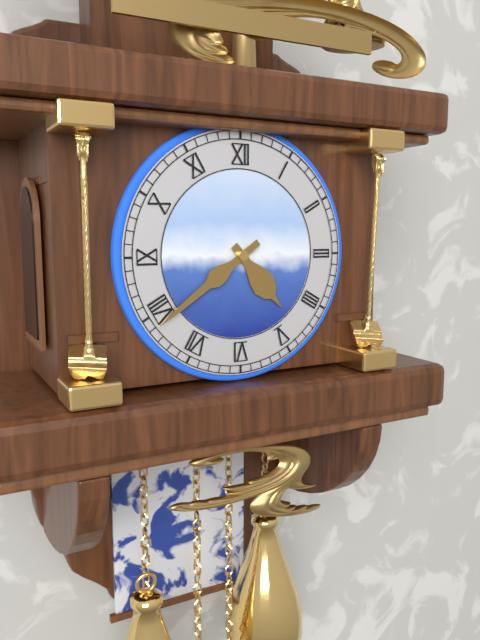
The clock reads 4.39
